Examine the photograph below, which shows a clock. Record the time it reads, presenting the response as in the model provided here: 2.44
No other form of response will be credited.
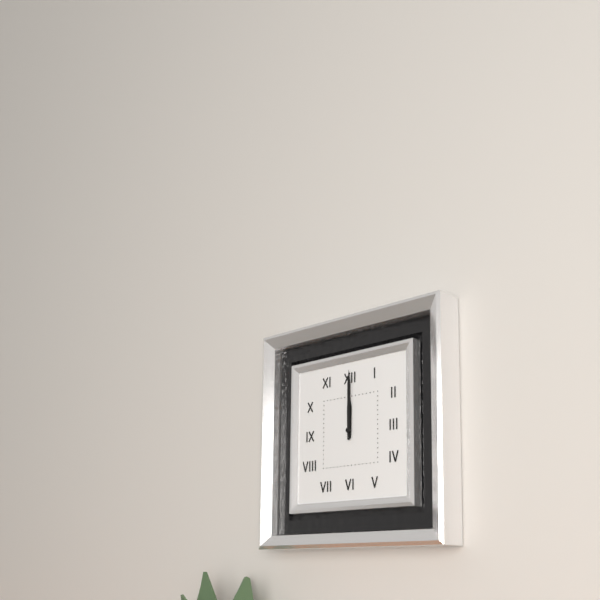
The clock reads 12.00
